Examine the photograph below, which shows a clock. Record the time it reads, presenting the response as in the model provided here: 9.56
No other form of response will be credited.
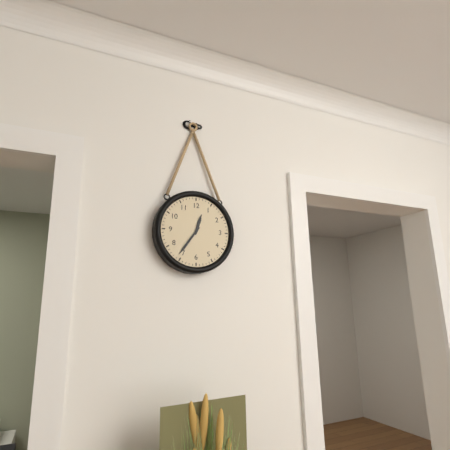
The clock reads 12.36
